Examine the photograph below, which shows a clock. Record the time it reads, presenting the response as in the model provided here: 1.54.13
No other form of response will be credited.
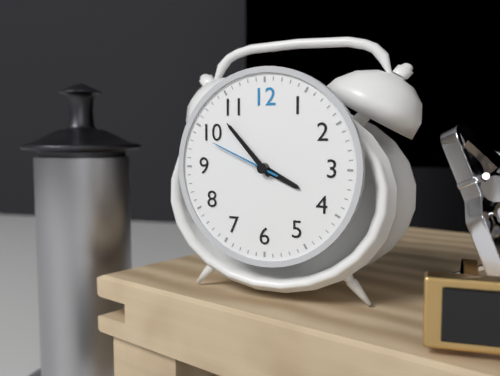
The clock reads 3.53.49
